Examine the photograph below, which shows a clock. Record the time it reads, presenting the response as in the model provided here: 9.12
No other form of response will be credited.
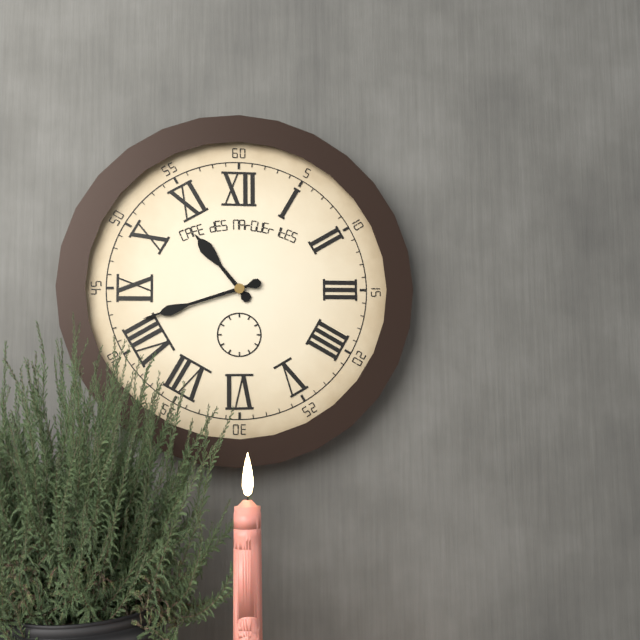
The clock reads 10.42
